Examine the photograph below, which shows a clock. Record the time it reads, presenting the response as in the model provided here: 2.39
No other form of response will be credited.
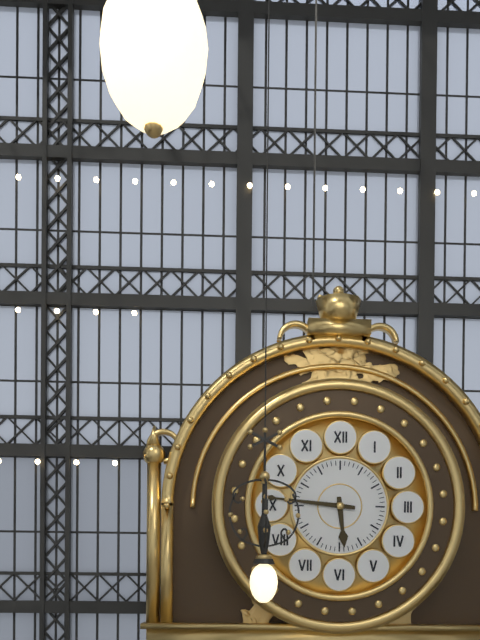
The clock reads 5.46
